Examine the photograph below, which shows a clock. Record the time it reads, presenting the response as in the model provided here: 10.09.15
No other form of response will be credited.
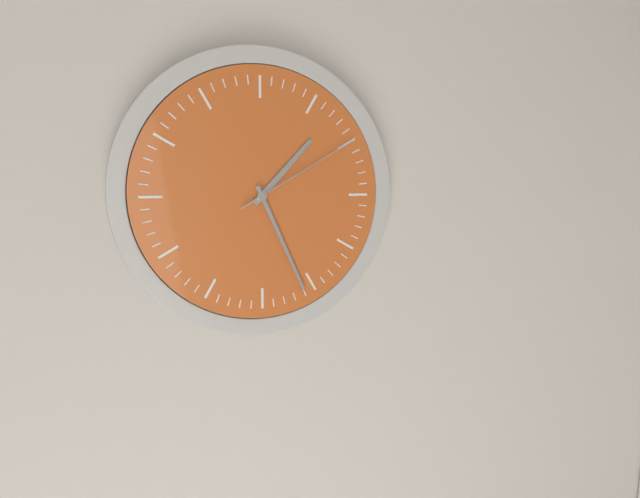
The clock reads 1.26.10
